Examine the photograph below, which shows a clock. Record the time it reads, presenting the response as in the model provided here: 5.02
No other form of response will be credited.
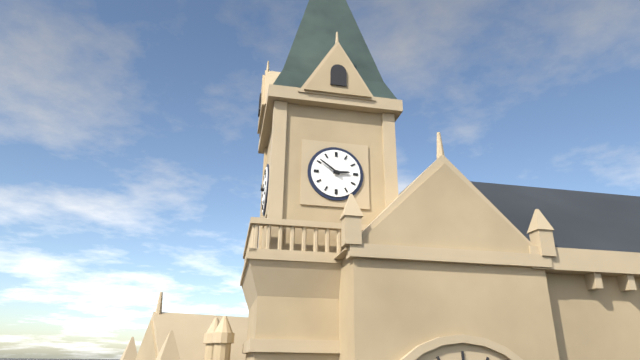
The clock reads 2.51
